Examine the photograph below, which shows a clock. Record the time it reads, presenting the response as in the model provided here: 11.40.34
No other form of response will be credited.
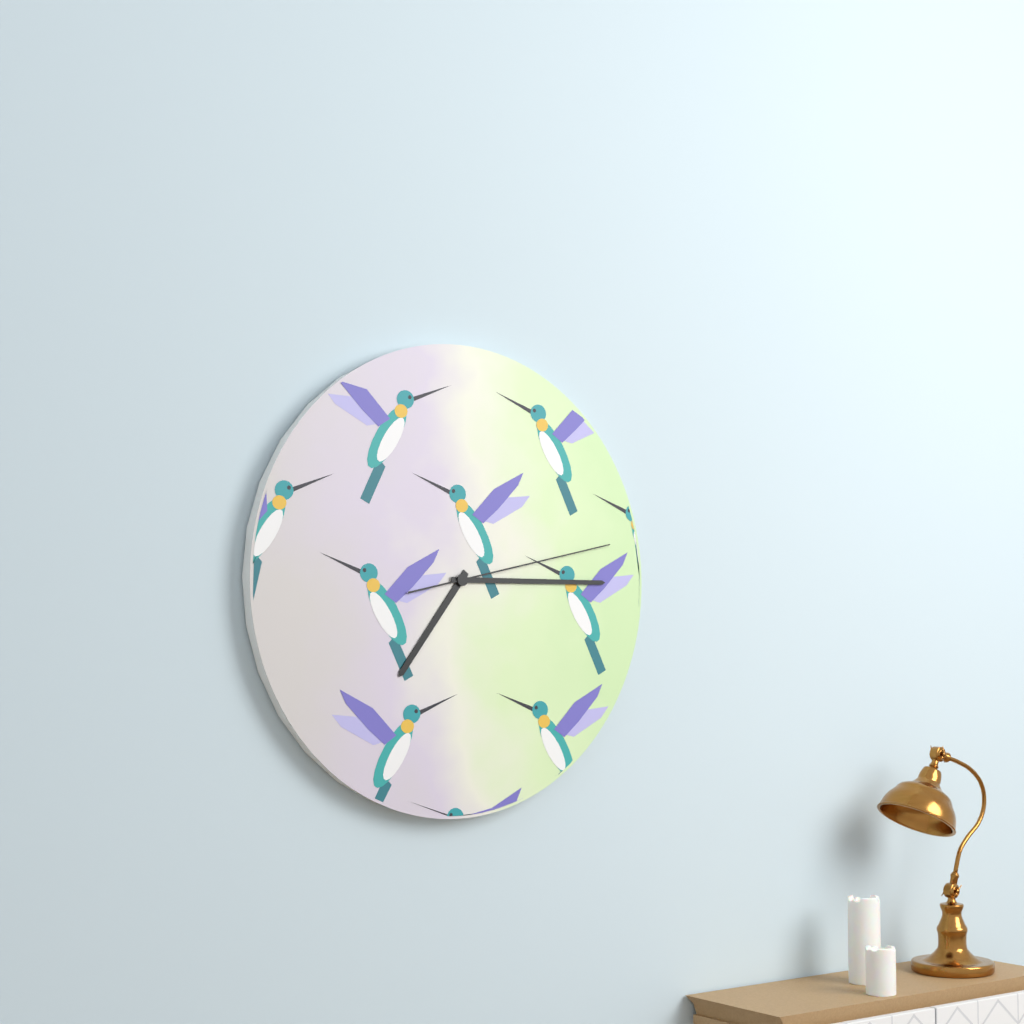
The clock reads 7.15.13
